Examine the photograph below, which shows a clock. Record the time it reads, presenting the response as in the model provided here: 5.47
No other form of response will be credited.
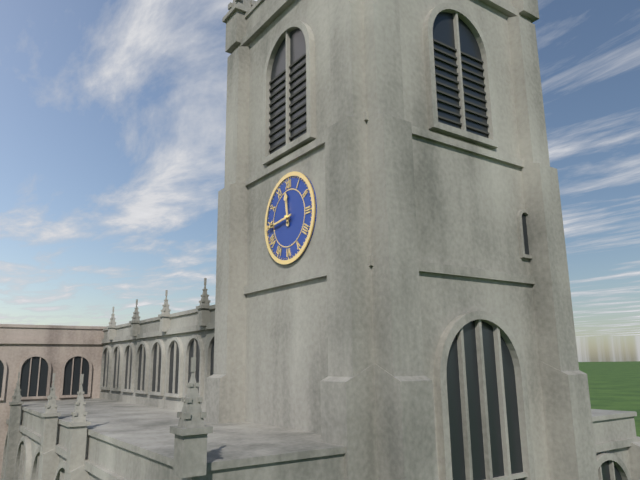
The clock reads 11.44
